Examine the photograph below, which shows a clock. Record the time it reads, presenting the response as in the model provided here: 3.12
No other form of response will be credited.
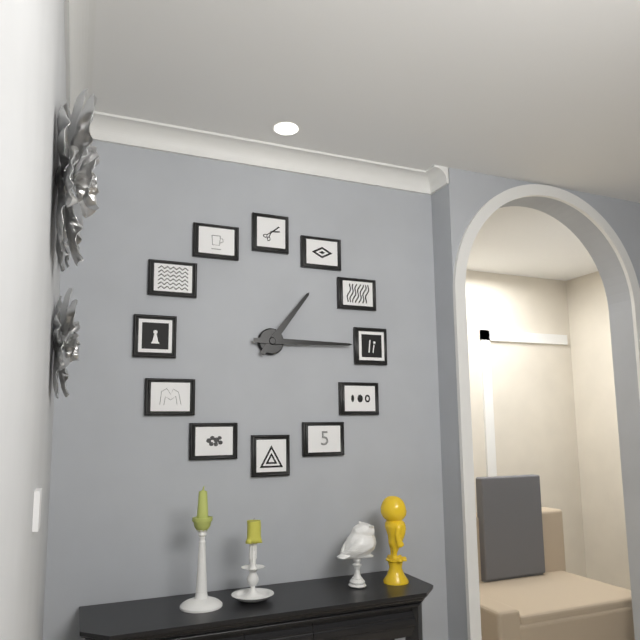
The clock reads 1.15
